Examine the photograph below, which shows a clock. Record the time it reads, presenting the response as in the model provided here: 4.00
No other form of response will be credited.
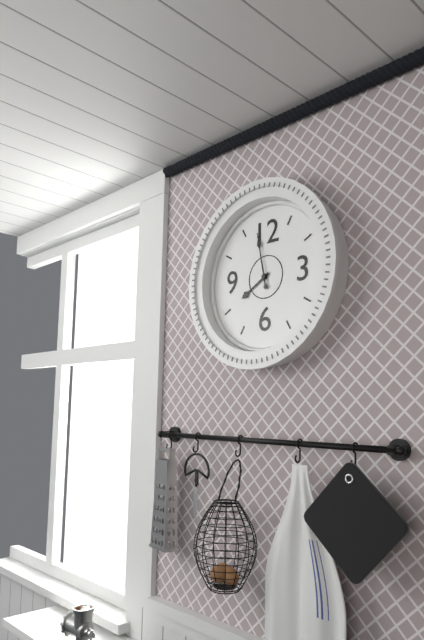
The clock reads 7.58
